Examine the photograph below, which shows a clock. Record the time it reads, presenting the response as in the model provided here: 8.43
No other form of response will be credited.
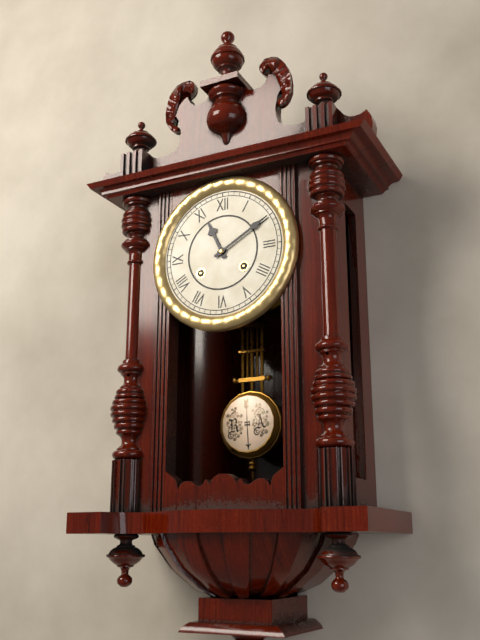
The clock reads 11.10
